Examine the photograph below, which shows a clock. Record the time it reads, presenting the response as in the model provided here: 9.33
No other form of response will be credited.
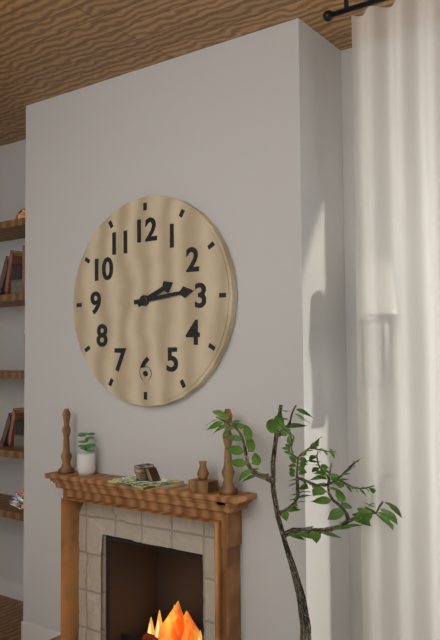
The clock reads 2.14
